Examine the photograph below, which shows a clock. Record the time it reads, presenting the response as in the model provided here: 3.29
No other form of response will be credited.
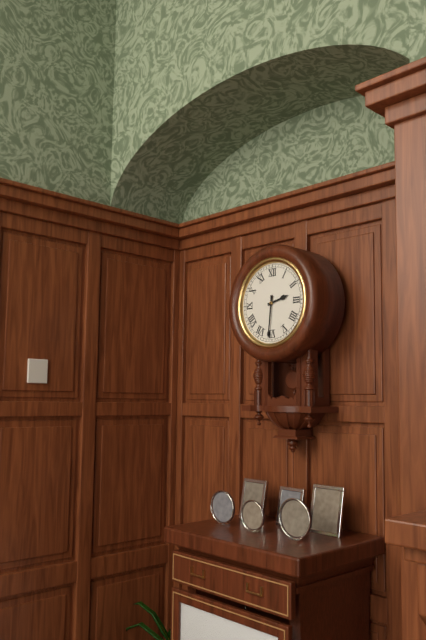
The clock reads 2.31
